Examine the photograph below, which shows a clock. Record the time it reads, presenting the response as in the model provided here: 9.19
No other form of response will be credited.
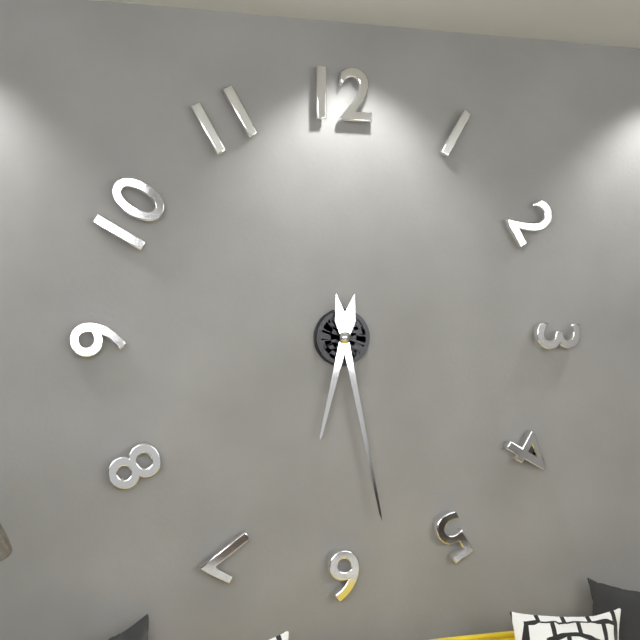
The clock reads 6.28
